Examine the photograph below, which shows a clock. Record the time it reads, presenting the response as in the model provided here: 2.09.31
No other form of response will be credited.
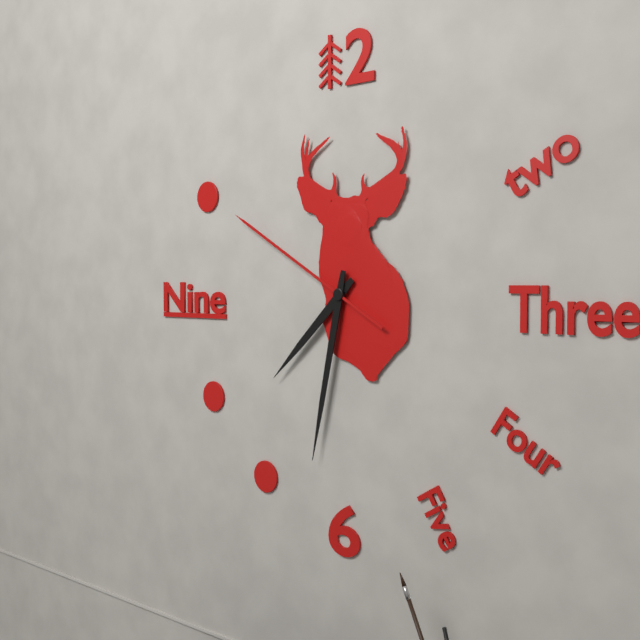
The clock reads 7.32.50
